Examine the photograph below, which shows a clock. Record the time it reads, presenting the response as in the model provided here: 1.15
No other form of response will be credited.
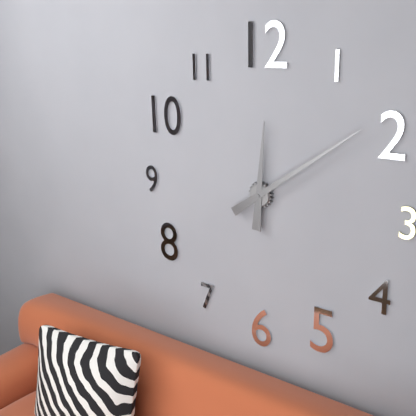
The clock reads 12.09
